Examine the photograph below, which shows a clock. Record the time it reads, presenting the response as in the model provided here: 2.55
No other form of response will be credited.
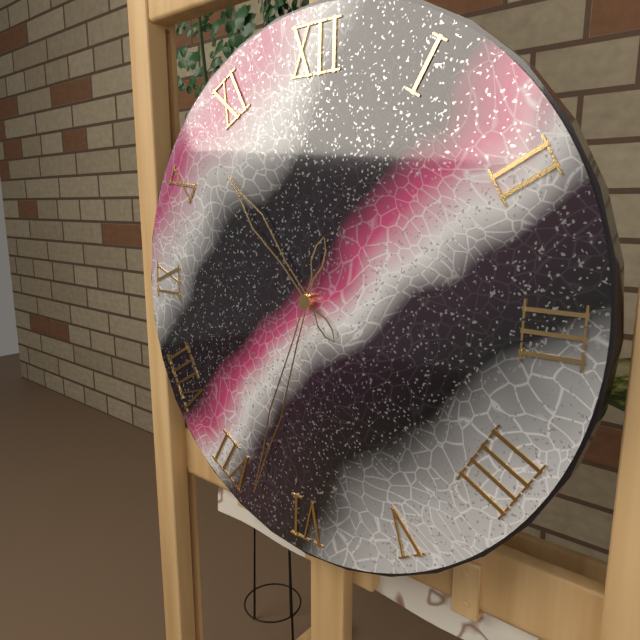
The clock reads 10.33
